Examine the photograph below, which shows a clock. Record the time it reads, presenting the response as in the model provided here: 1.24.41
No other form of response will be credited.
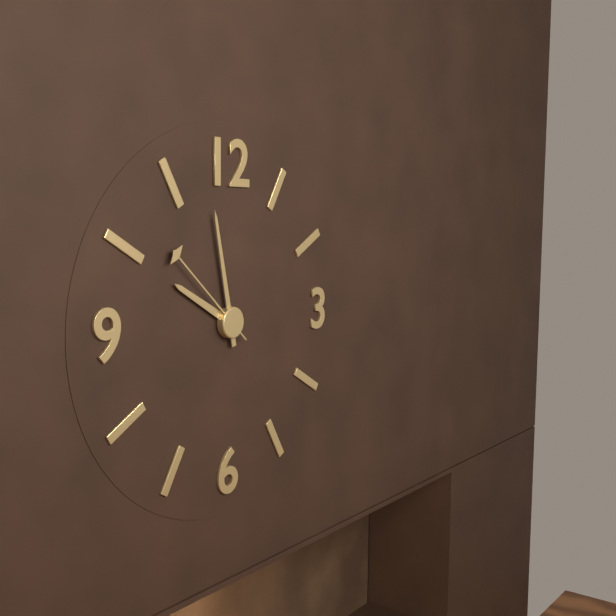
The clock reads 9.58.52
